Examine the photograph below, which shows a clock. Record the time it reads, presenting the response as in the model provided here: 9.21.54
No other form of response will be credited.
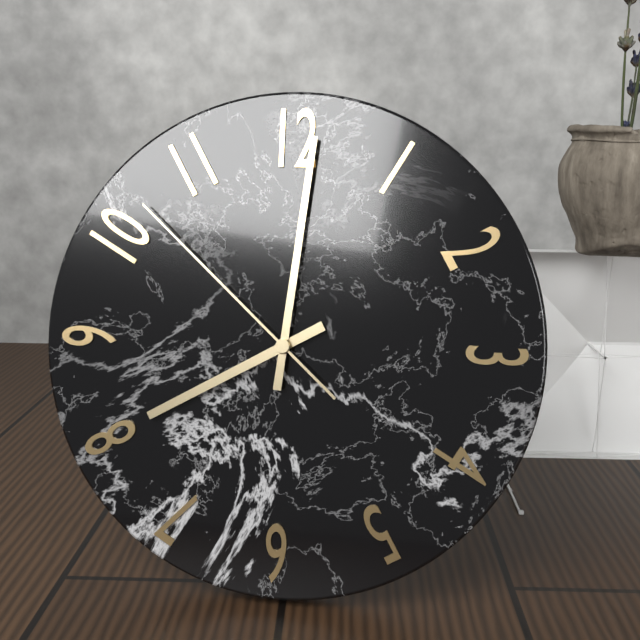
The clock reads 8.01.52
